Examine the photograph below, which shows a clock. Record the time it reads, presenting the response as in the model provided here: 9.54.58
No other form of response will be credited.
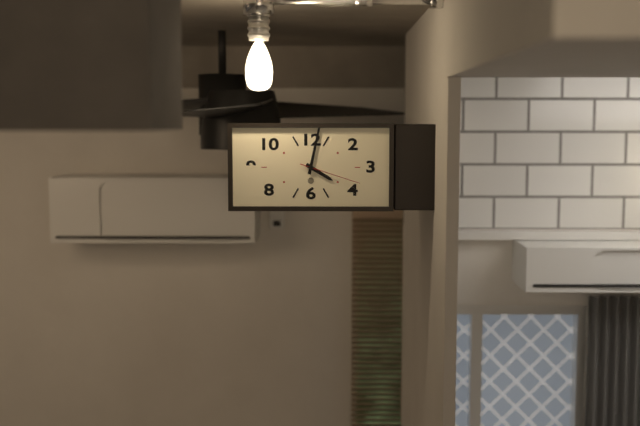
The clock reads 4.02.18
